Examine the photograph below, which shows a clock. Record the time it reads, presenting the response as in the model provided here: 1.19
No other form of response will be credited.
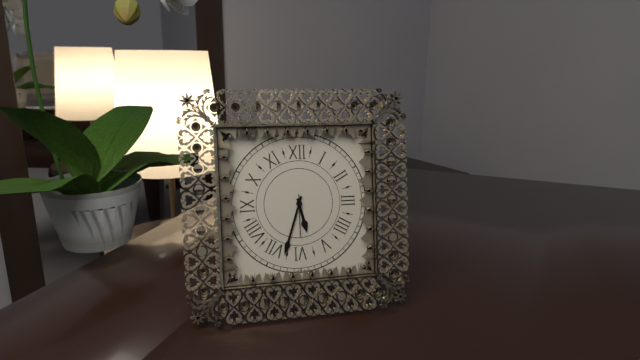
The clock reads 5.33
